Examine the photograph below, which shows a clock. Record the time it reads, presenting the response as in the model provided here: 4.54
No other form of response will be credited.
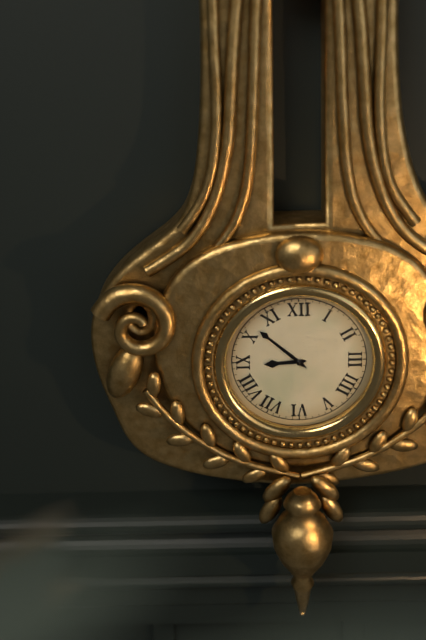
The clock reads 8.52
